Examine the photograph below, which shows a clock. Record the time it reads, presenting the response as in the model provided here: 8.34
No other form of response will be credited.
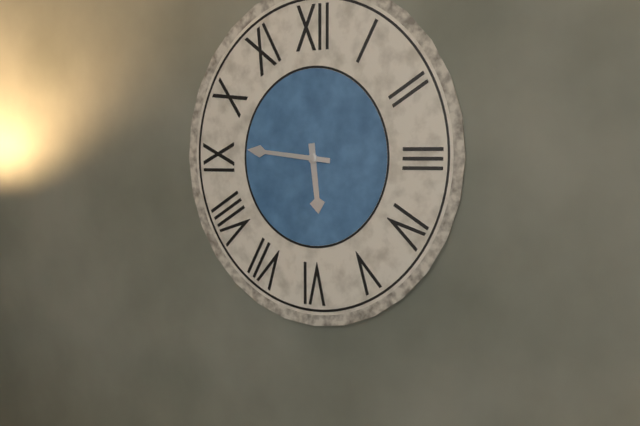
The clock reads 5.46
